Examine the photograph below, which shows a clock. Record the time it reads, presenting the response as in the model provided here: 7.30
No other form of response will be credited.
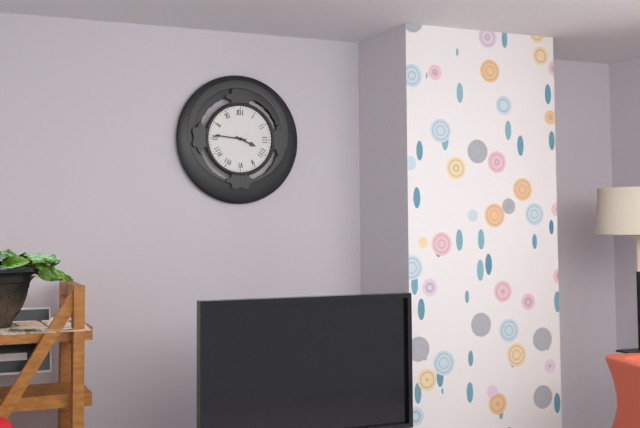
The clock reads 3.46
